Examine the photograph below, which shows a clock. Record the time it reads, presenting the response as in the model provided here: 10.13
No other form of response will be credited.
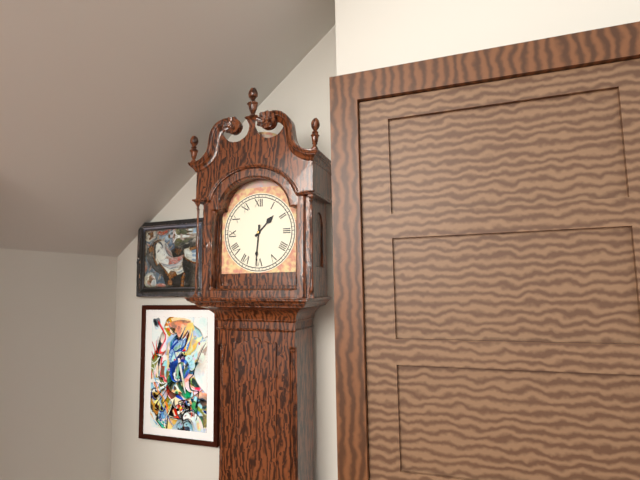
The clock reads 1.31
